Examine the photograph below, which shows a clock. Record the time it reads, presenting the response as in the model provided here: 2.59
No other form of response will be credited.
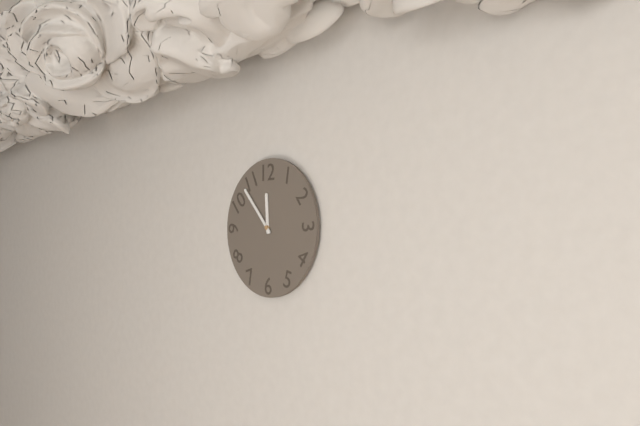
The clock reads 11.53
